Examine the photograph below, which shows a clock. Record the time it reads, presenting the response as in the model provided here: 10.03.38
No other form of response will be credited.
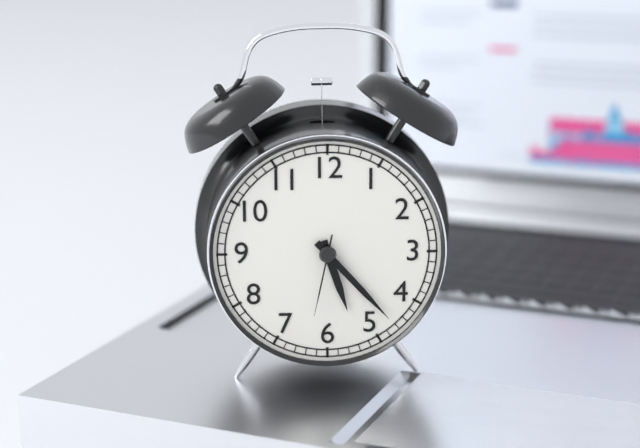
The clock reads 5.23.32
